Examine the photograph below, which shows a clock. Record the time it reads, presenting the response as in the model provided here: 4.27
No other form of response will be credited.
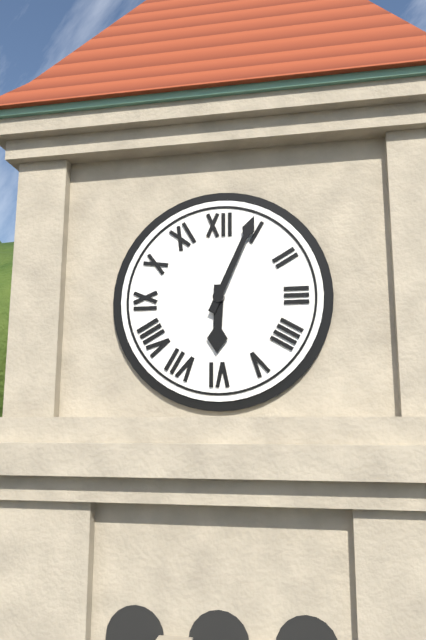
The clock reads 6.04
